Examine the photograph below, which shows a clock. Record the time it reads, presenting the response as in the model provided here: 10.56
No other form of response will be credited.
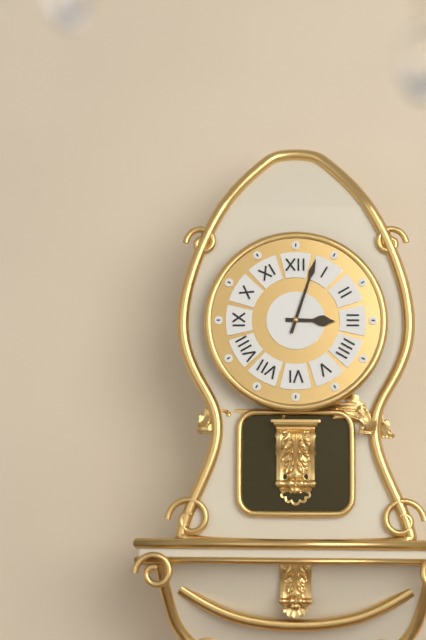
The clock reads 3.03
